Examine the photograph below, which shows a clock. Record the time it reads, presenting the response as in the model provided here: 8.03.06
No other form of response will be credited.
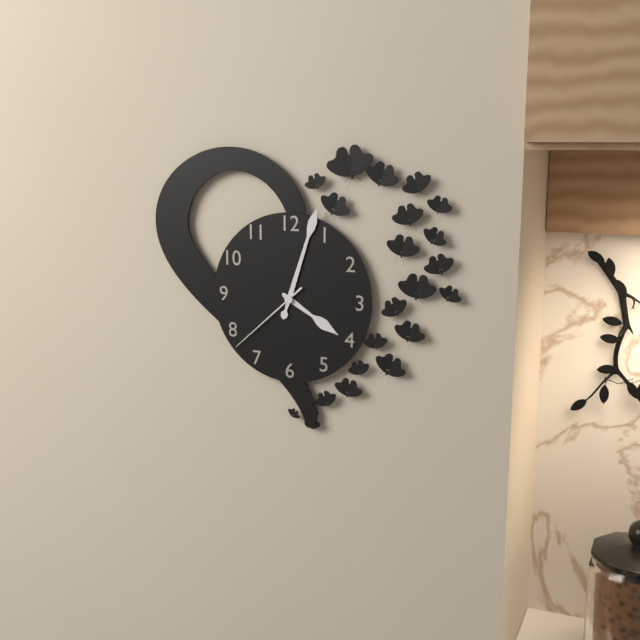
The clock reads 4.03.38
